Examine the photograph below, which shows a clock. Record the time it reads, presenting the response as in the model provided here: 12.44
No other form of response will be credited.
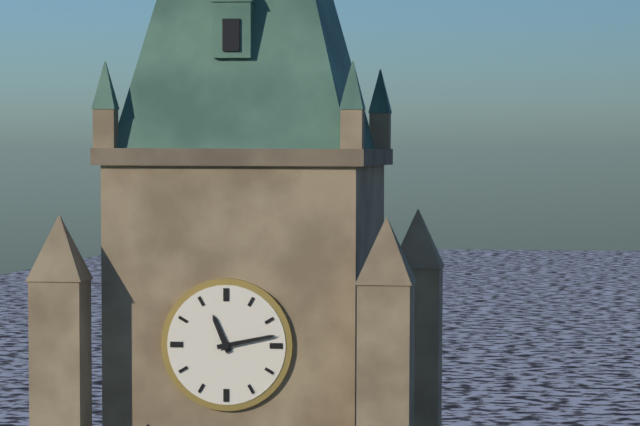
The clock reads 11.13
